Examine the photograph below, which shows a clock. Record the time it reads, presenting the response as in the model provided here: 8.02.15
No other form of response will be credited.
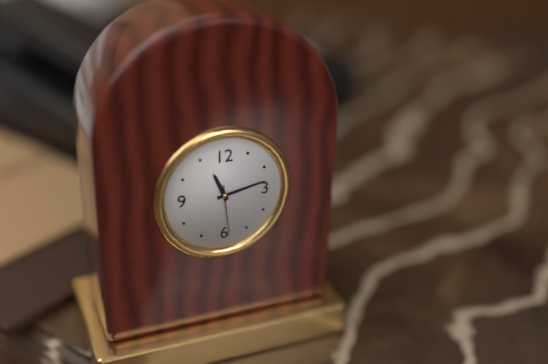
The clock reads 11.13.29
